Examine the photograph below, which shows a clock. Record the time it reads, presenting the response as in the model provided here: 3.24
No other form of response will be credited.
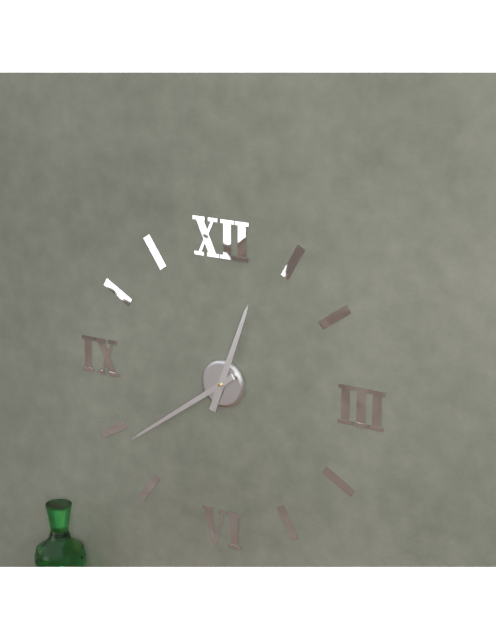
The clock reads 12.39
